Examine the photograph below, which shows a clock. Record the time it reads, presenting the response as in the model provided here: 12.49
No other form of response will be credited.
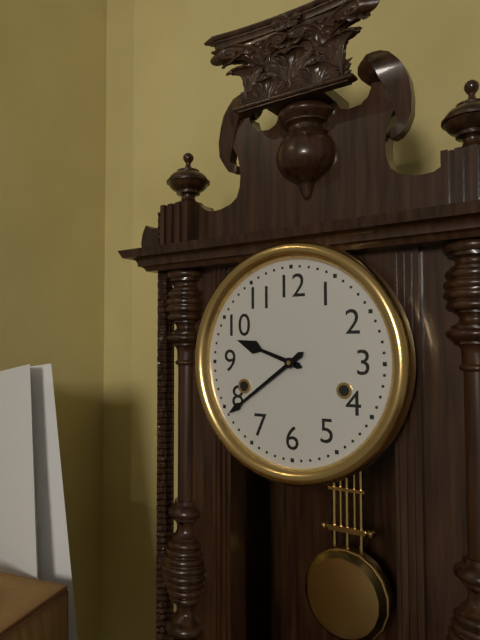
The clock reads 9.39
